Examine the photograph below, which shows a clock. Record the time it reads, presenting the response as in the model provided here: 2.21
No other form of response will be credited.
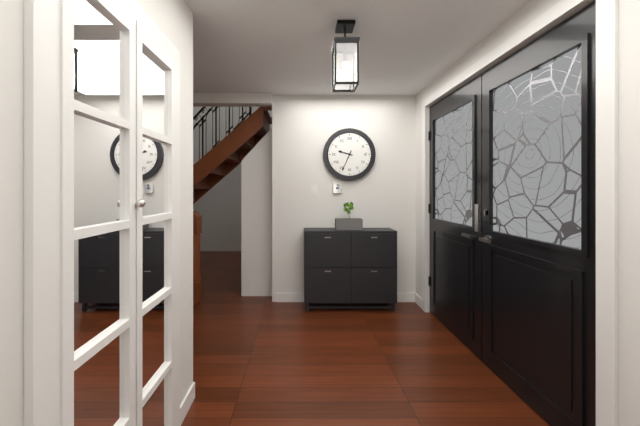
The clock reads 9.34
